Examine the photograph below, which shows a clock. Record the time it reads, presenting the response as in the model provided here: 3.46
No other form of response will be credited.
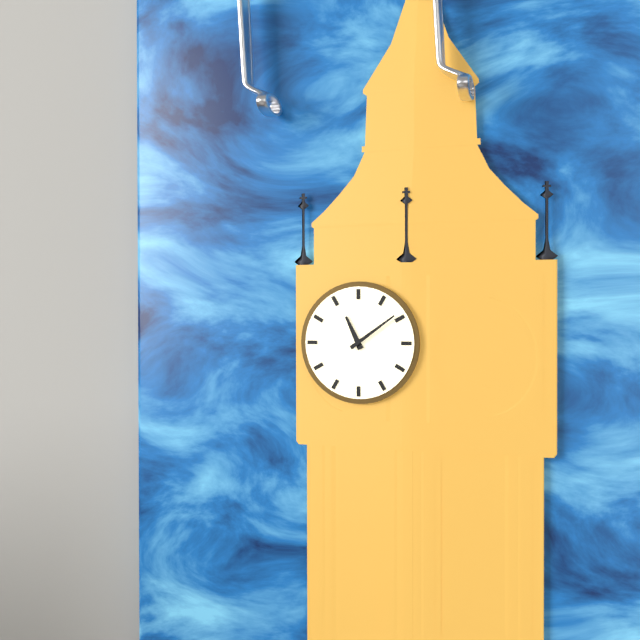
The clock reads 11.09
